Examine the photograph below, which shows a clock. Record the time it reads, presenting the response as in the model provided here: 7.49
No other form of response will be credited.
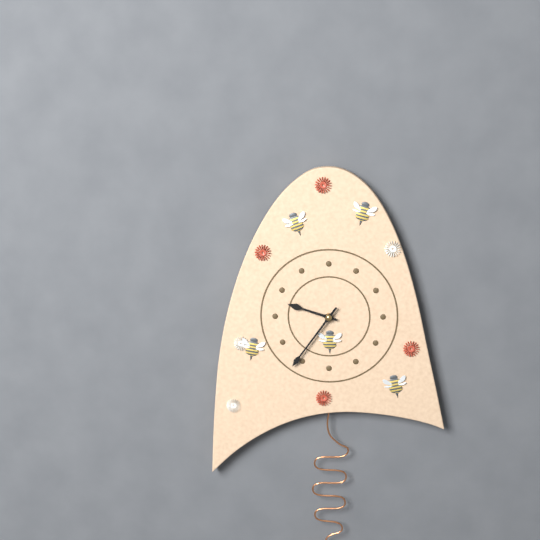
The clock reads 9.36
